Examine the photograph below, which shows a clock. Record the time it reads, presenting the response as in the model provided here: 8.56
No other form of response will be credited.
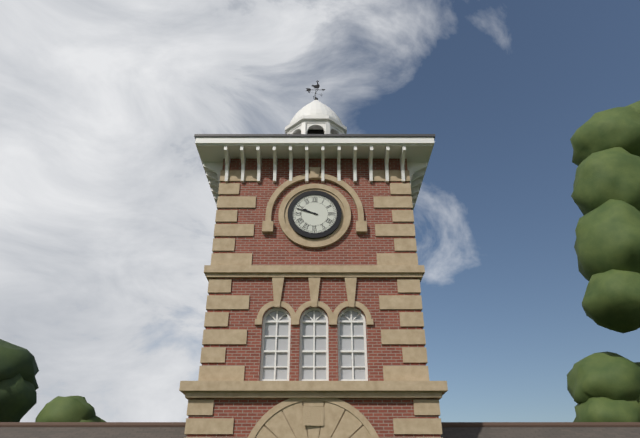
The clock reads 9.48
